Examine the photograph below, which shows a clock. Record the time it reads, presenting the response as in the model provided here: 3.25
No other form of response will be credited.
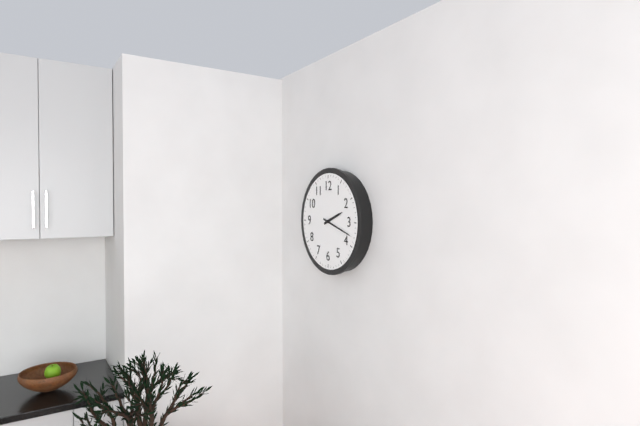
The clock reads 2.18
